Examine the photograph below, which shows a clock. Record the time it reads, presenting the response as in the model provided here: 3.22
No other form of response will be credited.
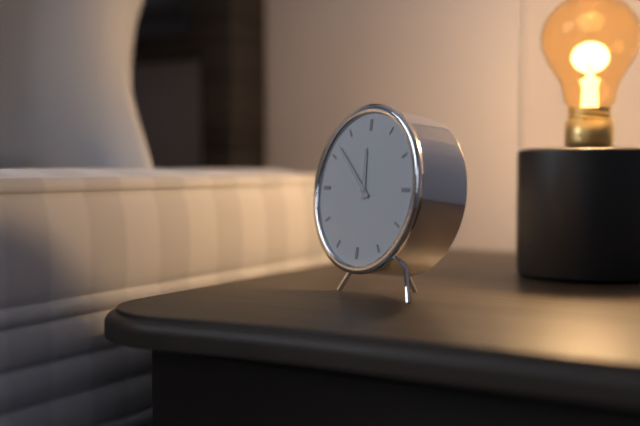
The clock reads 11.52
